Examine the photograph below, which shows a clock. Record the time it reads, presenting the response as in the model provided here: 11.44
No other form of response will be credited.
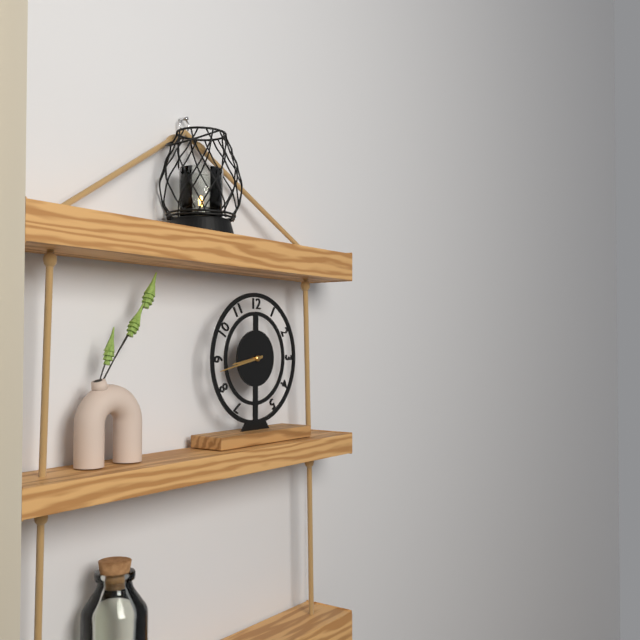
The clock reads 8.43
